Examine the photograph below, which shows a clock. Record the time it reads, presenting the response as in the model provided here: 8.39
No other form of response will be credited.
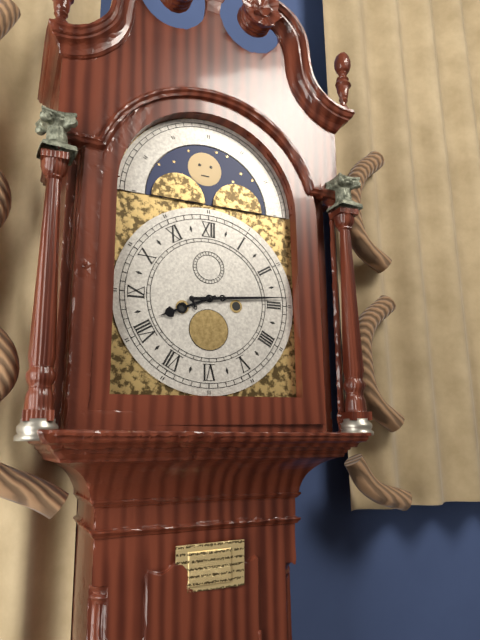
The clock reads 8.14
